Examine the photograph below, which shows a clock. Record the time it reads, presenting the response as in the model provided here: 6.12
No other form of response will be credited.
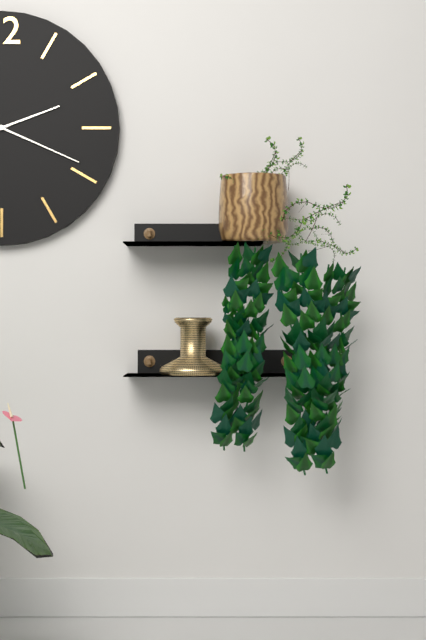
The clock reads 2.19
